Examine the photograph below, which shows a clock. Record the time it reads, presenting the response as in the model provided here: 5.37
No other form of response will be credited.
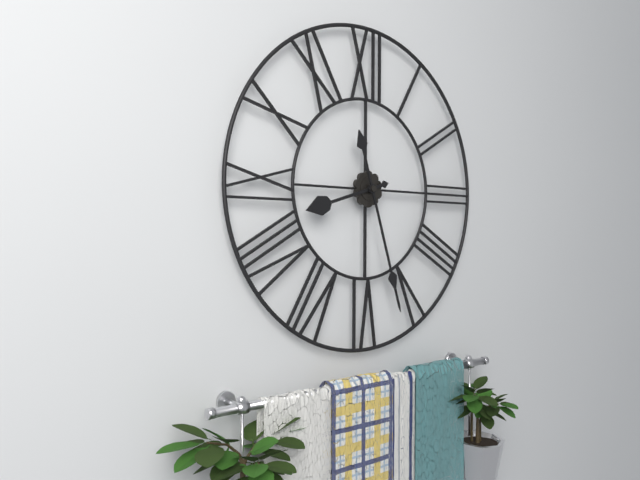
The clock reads 8.27
